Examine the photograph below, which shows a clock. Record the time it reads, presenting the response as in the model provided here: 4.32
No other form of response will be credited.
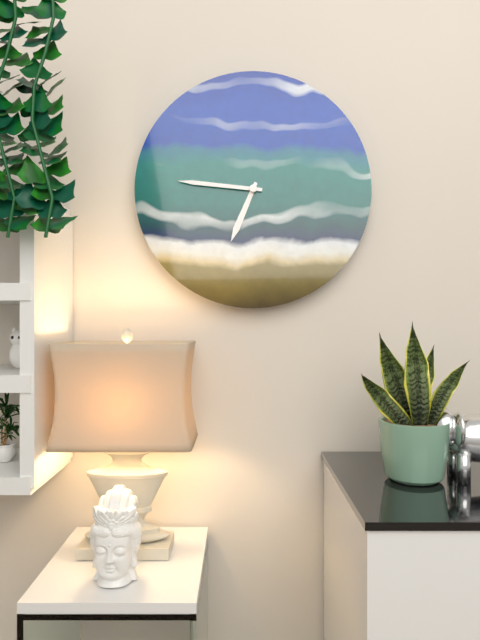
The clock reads 6.46
